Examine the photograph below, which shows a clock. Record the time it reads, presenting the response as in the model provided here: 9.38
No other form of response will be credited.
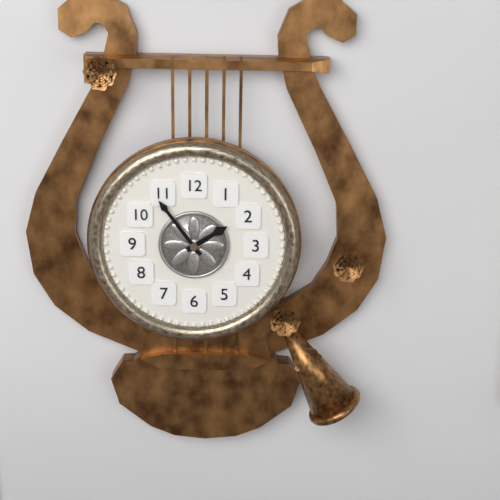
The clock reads 1.54
